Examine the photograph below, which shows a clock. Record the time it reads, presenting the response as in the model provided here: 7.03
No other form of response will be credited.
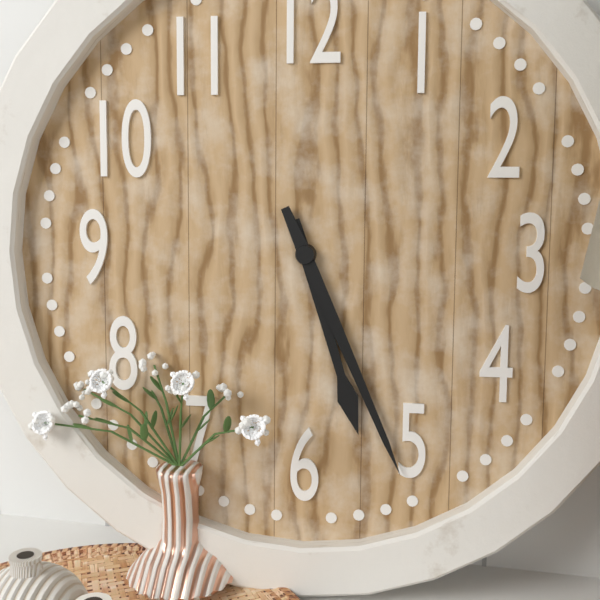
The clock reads 5.26
